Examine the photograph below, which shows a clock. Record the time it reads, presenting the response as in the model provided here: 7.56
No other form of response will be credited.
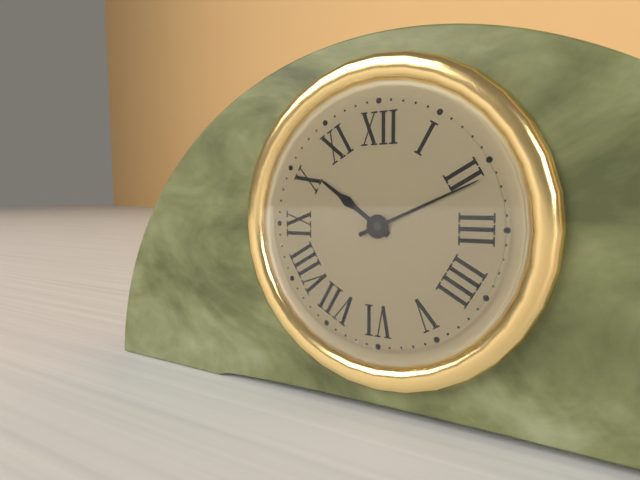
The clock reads 10.11
